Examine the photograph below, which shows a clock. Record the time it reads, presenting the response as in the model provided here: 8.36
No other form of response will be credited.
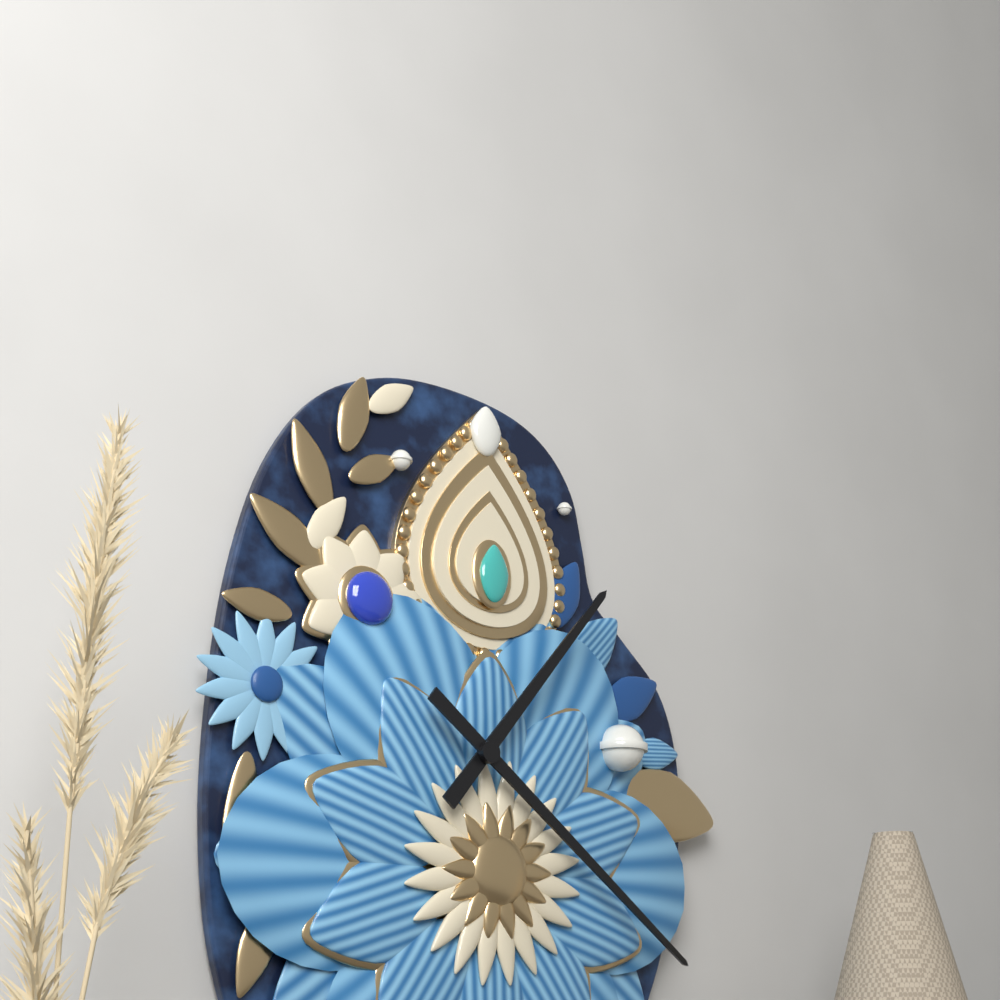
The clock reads 1.21
